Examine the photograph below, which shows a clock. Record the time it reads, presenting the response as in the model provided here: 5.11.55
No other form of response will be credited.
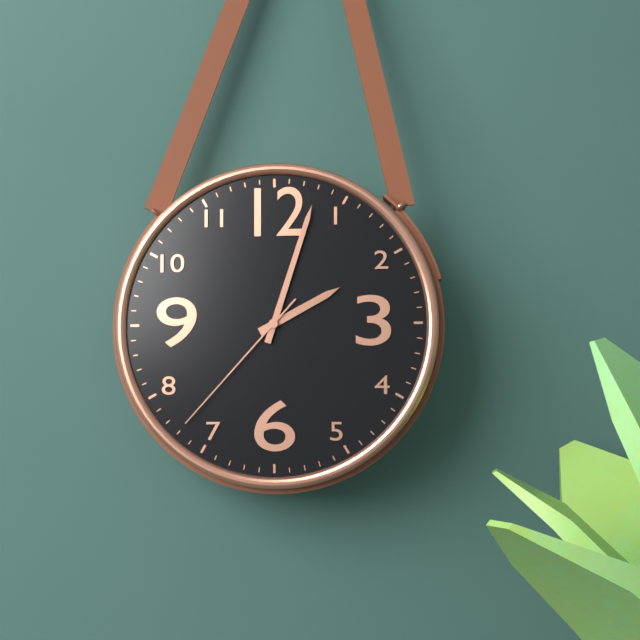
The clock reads 2.03.37
